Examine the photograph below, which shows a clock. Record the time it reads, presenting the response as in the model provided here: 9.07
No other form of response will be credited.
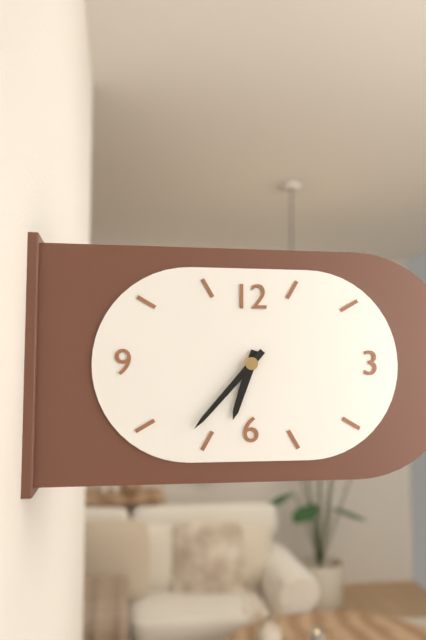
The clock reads 6.37
